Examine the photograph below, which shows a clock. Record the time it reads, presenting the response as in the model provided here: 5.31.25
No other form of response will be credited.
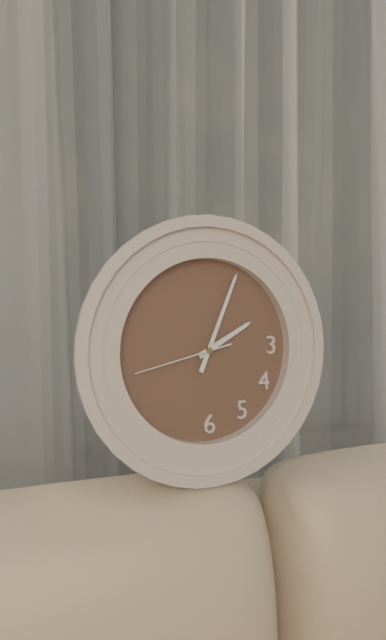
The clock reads 2.04.43
